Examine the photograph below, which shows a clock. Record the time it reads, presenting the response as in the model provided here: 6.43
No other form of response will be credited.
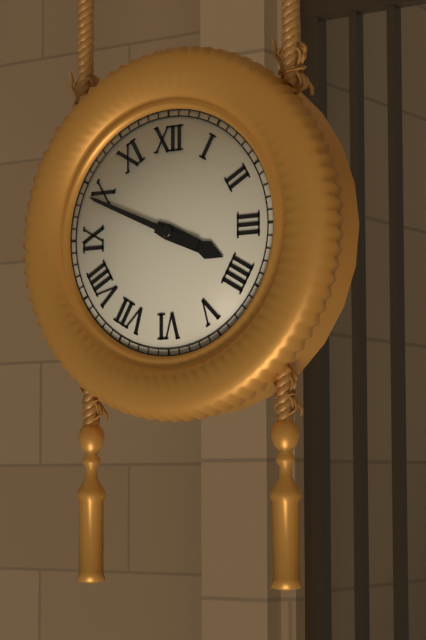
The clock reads 3.49
